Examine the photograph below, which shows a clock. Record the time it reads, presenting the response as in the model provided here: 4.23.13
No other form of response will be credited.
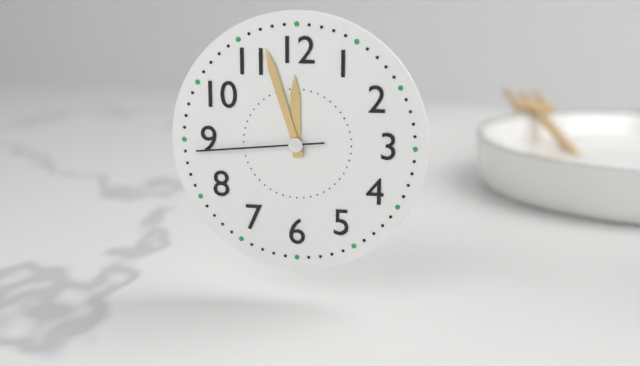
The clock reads 11.57.44
